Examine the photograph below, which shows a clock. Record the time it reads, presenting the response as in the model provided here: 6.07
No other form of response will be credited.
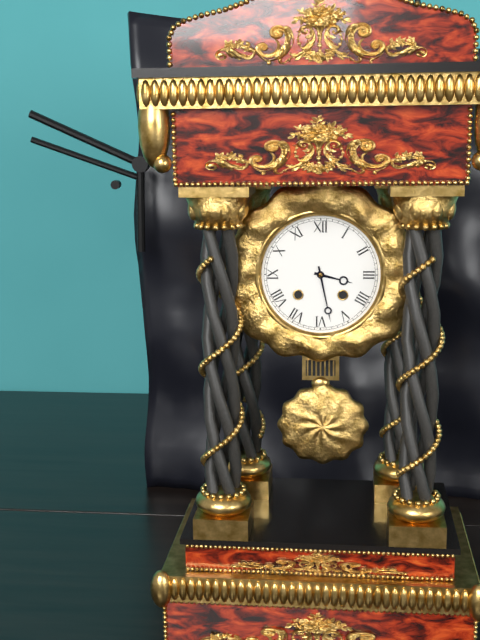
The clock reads 3.28
